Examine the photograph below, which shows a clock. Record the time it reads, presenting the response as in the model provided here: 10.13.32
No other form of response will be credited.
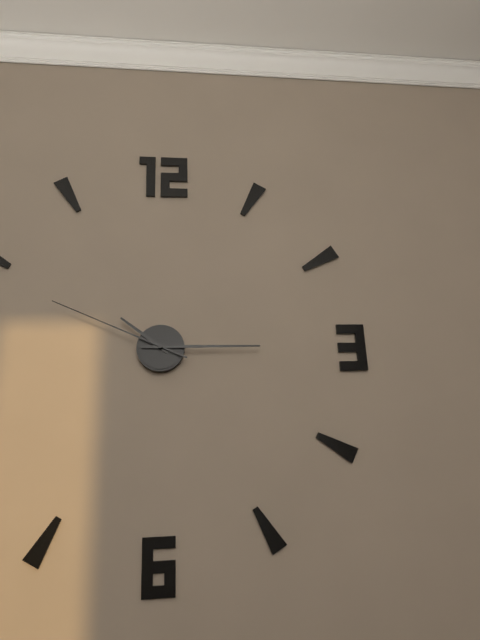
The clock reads 10.15.49
